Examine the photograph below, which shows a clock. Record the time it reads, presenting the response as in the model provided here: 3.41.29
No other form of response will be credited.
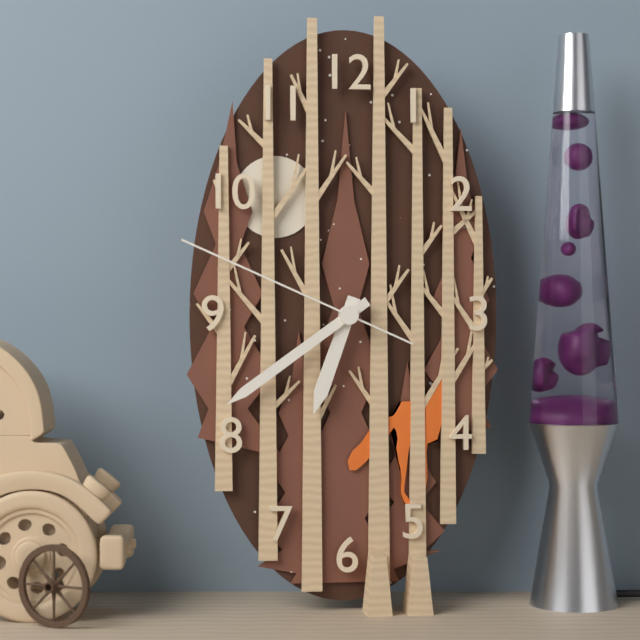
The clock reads 6.39.49
